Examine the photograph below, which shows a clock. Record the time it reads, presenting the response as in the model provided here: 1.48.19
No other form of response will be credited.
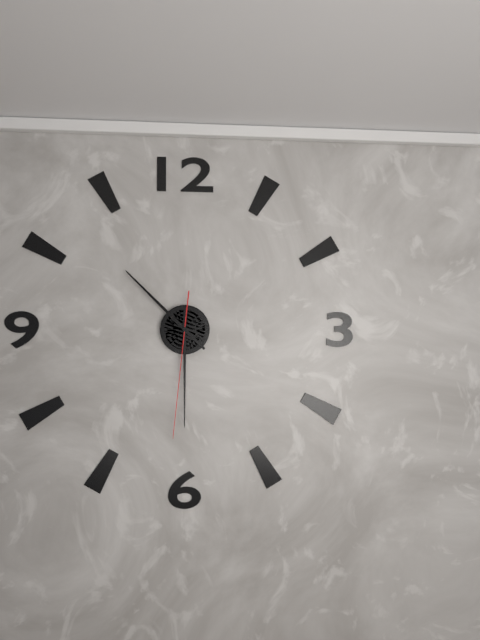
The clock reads 10.30.31
